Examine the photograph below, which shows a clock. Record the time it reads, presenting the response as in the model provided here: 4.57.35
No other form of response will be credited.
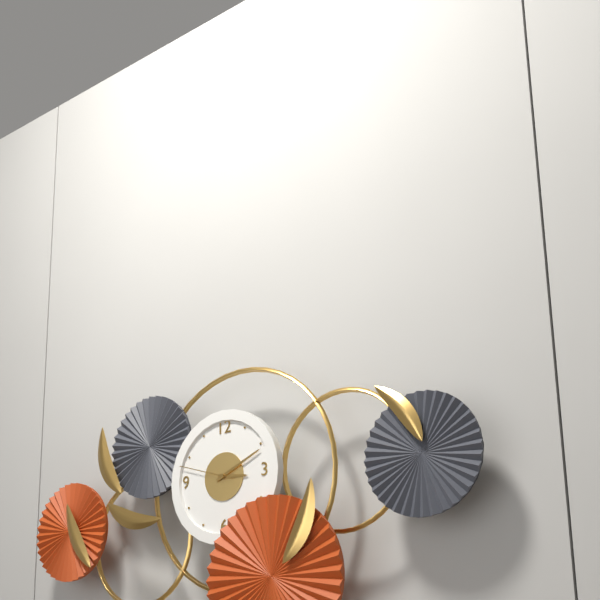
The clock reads 3.11.48
